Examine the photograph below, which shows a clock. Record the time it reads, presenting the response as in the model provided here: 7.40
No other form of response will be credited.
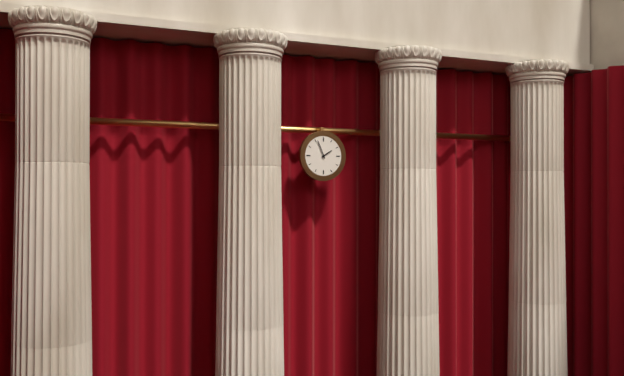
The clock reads 1.56
